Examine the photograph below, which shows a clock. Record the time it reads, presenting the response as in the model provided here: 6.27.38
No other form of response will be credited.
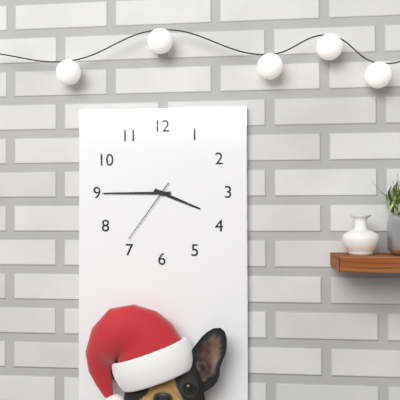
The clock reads 3.45.36
